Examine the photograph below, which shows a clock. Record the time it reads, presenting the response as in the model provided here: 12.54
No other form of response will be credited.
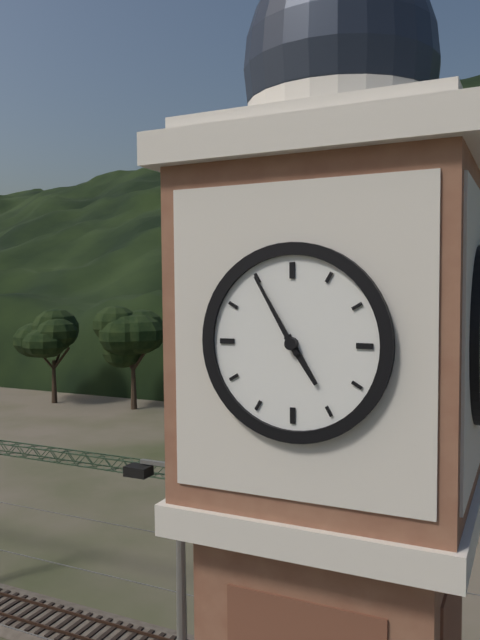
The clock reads 4.55
